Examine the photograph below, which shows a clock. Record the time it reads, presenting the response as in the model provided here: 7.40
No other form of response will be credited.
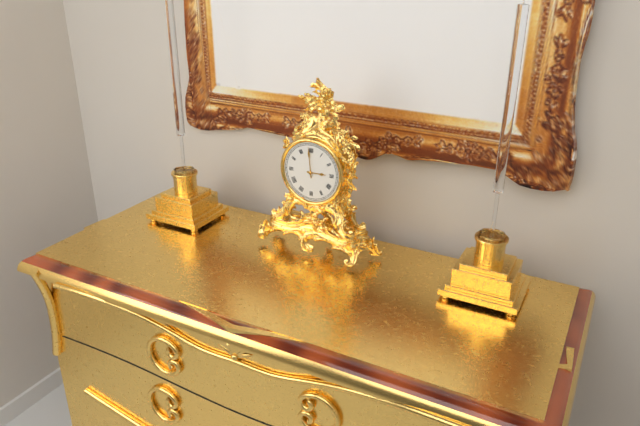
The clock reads 2.59
